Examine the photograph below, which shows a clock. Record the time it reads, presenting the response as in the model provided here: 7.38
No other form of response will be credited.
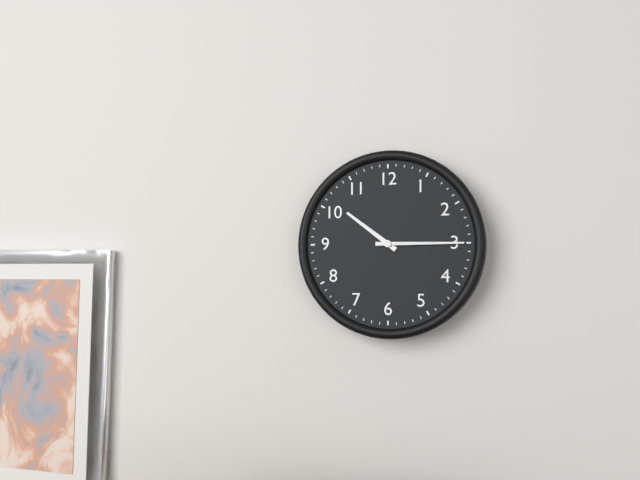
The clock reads 10.15
